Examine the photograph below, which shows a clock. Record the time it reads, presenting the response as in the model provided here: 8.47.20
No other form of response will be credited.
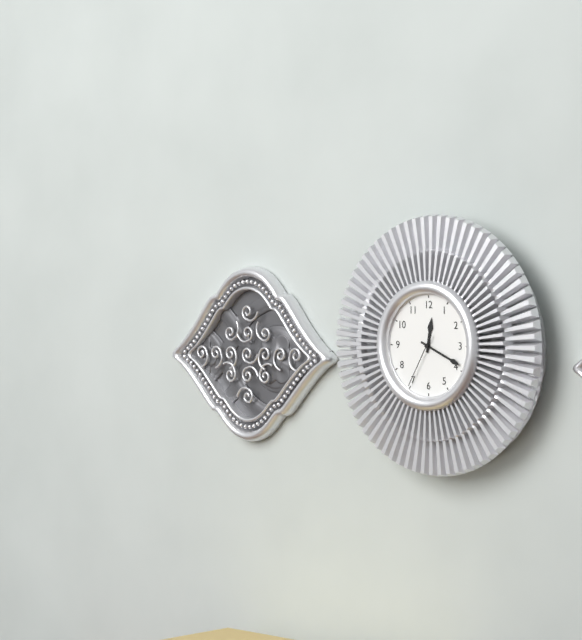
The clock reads 12.19.35
